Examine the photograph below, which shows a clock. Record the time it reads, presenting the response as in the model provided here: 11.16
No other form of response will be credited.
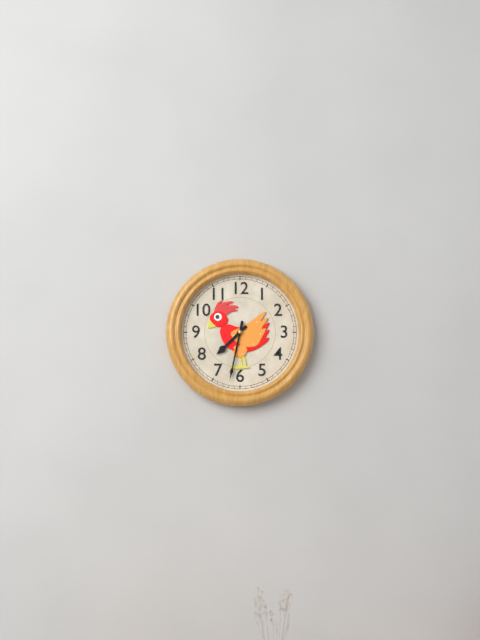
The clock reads 7.32
